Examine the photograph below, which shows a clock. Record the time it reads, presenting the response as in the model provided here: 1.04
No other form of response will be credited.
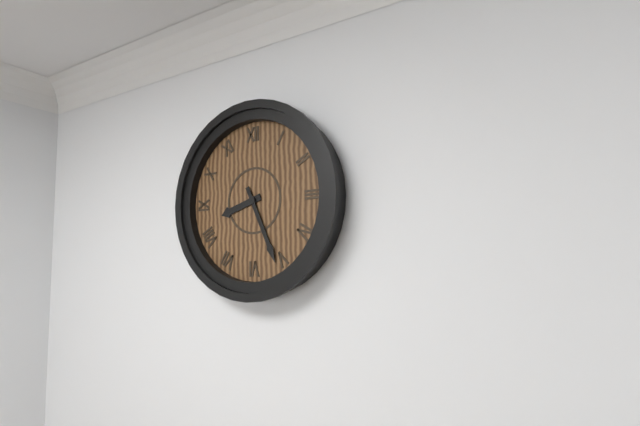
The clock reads 8.26
